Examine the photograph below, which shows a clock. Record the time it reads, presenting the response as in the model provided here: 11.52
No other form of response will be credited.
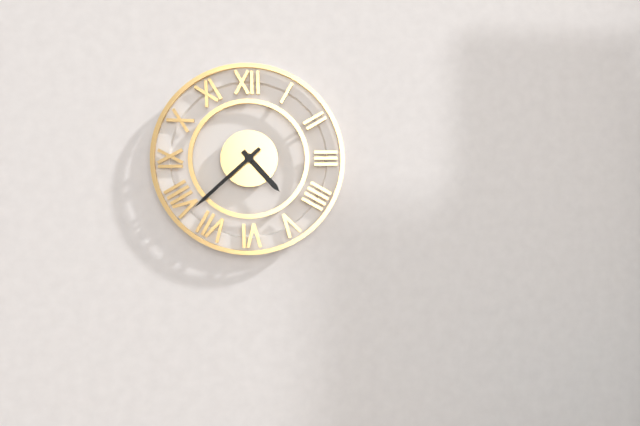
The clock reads 4.38
